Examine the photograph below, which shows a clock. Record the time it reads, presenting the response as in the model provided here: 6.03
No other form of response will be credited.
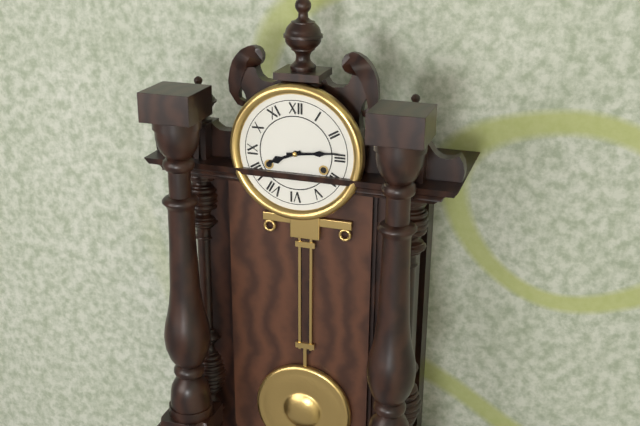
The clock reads 8.14
